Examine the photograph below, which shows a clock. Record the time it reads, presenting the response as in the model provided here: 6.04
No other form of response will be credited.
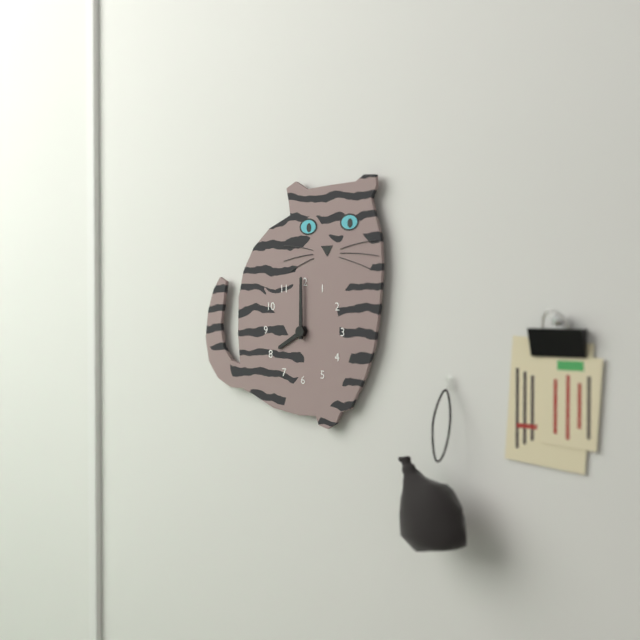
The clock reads 8.00
